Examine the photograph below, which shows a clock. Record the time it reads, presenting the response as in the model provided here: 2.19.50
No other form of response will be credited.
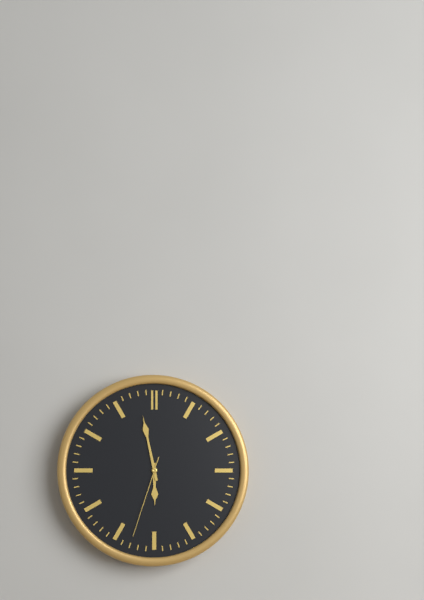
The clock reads 5.58.33
